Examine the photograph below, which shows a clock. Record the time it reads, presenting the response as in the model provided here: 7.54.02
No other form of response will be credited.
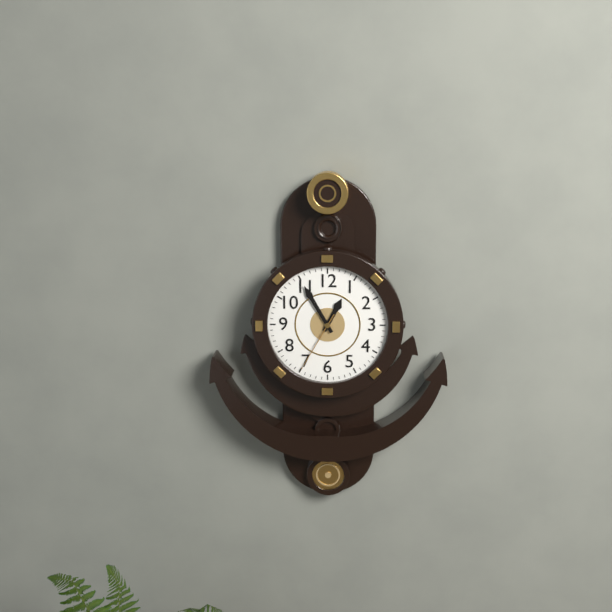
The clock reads 12.55.35
